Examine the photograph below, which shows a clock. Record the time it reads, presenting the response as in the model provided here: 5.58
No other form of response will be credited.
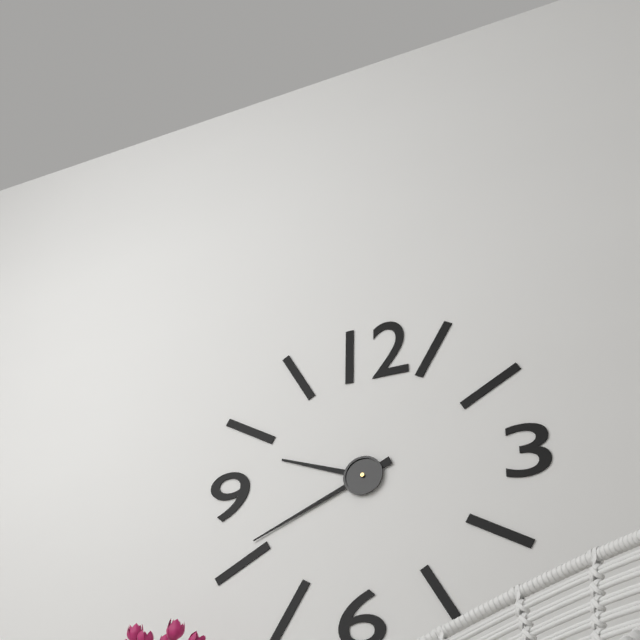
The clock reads 9.41
